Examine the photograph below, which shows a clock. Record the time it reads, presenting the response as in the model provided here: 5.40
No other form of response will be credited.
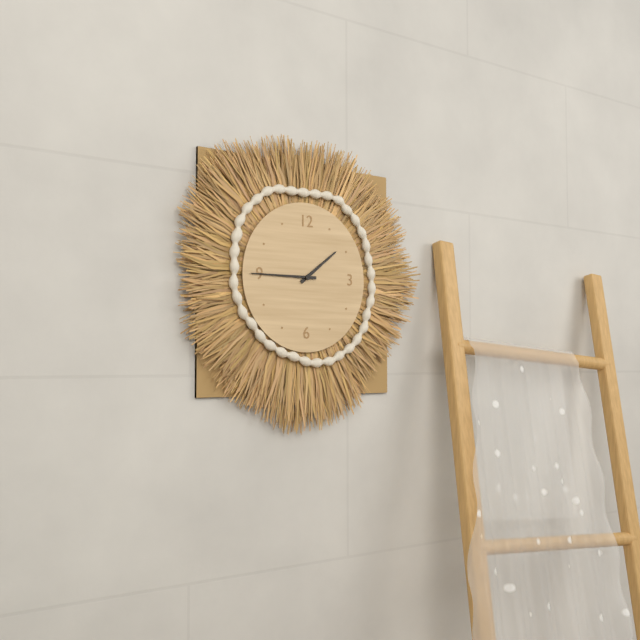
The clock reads 1.45
